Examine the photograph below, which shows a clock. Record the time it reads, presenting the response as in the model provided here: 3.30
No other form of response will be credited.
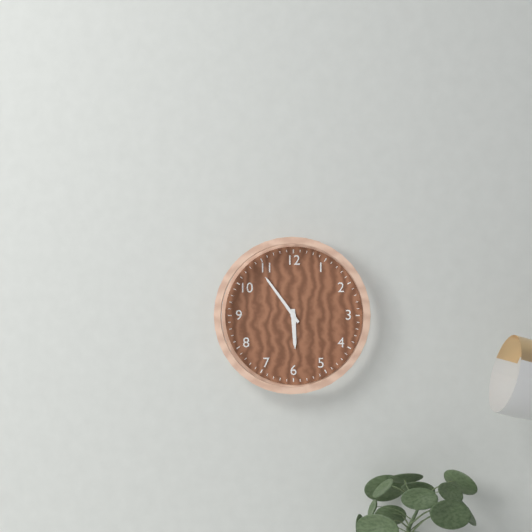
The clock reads 5.54
